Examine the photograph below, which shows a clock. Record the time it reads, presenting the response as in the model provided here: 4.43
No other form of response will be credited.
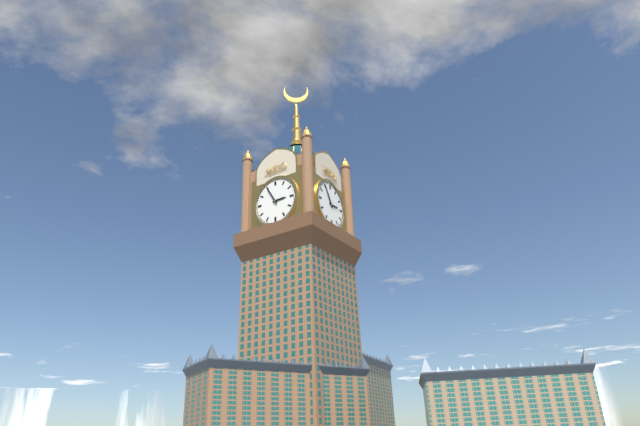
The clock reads 2.55
